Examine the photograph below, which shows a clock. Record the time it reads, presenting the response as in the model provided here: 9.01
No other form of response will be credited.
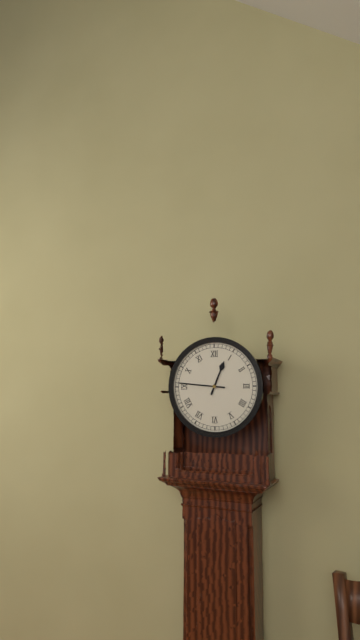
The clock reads 12.46
